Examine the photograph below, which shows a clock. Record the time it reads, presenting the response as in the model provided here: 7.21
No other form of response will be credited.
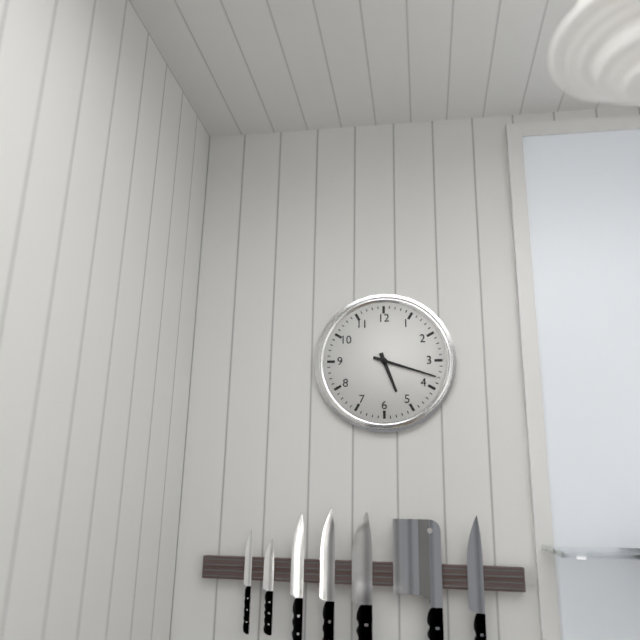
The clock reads 5.18
